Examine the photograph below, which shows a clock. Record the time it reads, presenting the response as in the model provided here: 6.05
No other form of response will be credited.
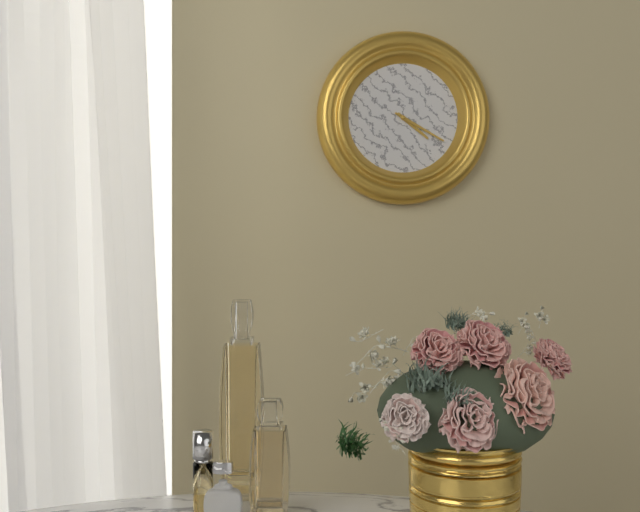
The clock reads 4.20
